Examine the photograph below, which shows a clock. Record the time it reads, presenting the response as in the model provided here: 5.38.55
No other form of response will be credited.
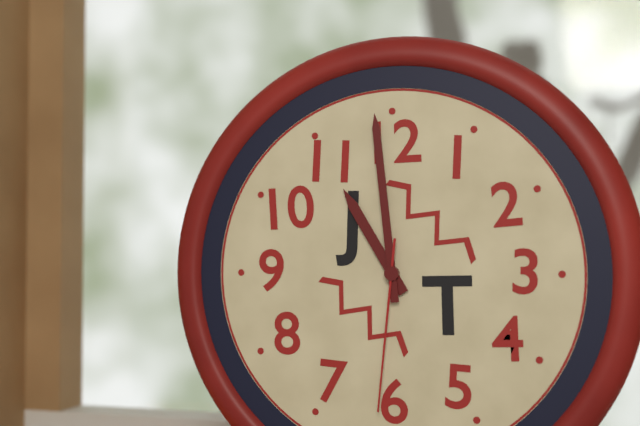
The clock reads 10.59.31
